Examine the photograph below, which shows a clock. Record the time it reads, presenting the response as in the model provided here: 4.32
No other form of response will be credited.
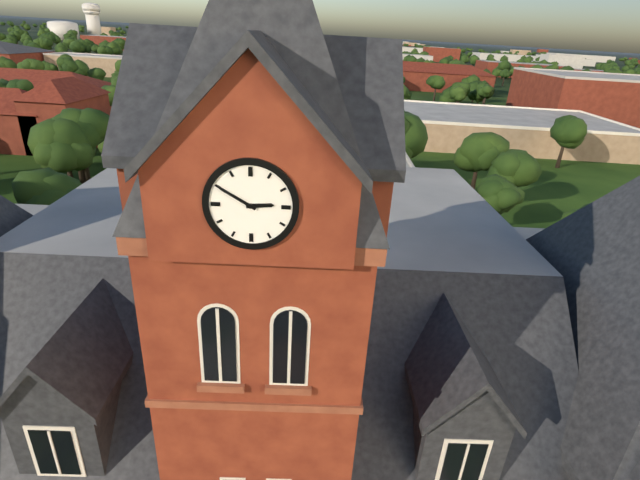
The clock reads 2.50
